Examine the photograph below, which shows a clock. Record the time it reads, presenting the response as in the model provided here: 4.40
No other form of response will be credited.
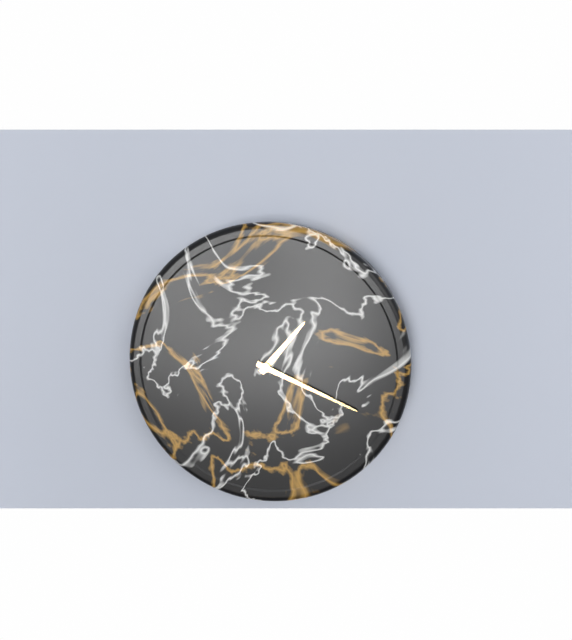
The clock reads 1.19
